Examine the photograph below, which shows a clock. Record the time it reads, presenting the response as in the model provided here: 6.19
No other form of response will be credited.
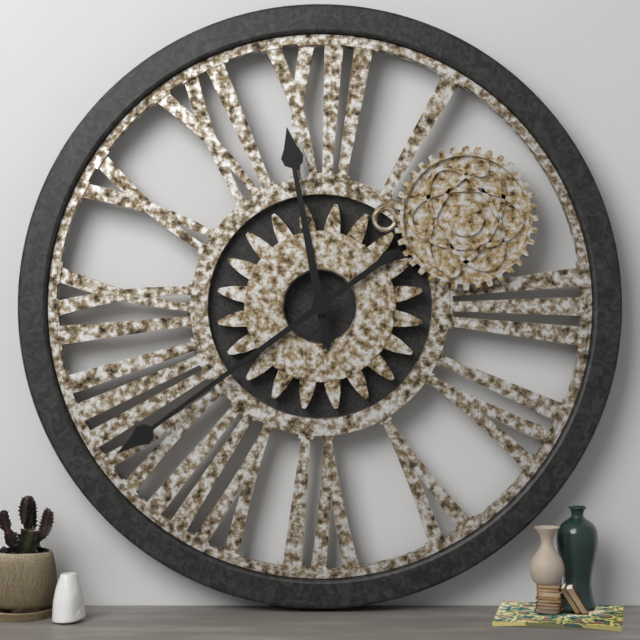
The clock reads 11.39
